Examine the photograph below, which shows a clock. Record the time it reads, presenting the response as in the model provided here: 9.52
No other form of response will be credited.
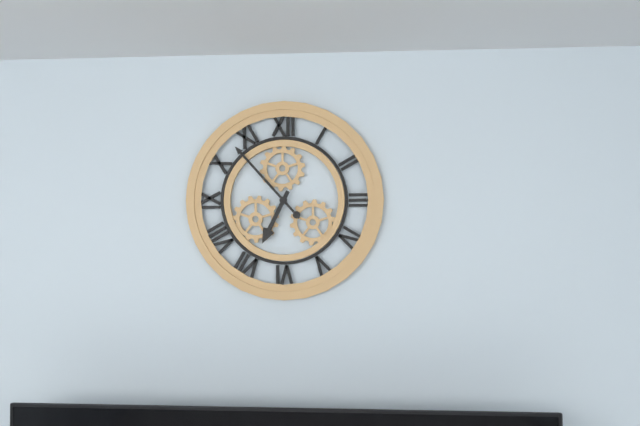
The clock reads 6.53
